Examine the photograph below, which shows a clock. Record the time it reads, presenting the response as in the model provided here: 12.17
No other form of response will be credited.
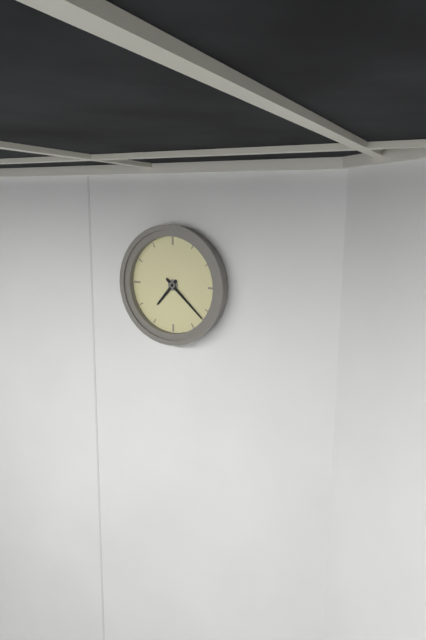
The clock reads 7.22
